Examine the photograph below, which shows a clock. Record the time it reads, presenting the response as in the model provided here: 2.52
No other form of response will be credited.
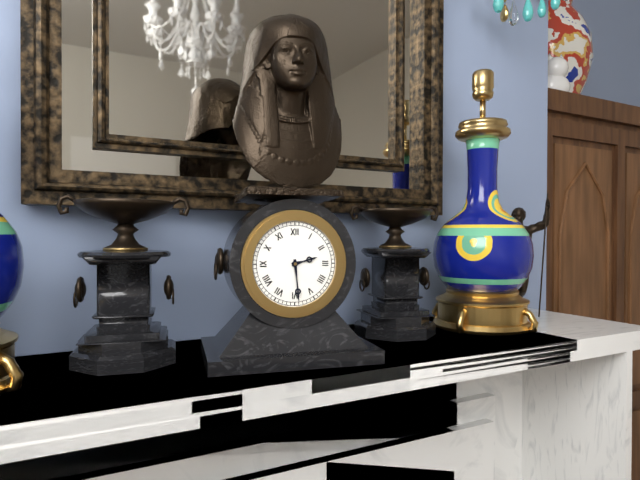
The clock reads 2.29
